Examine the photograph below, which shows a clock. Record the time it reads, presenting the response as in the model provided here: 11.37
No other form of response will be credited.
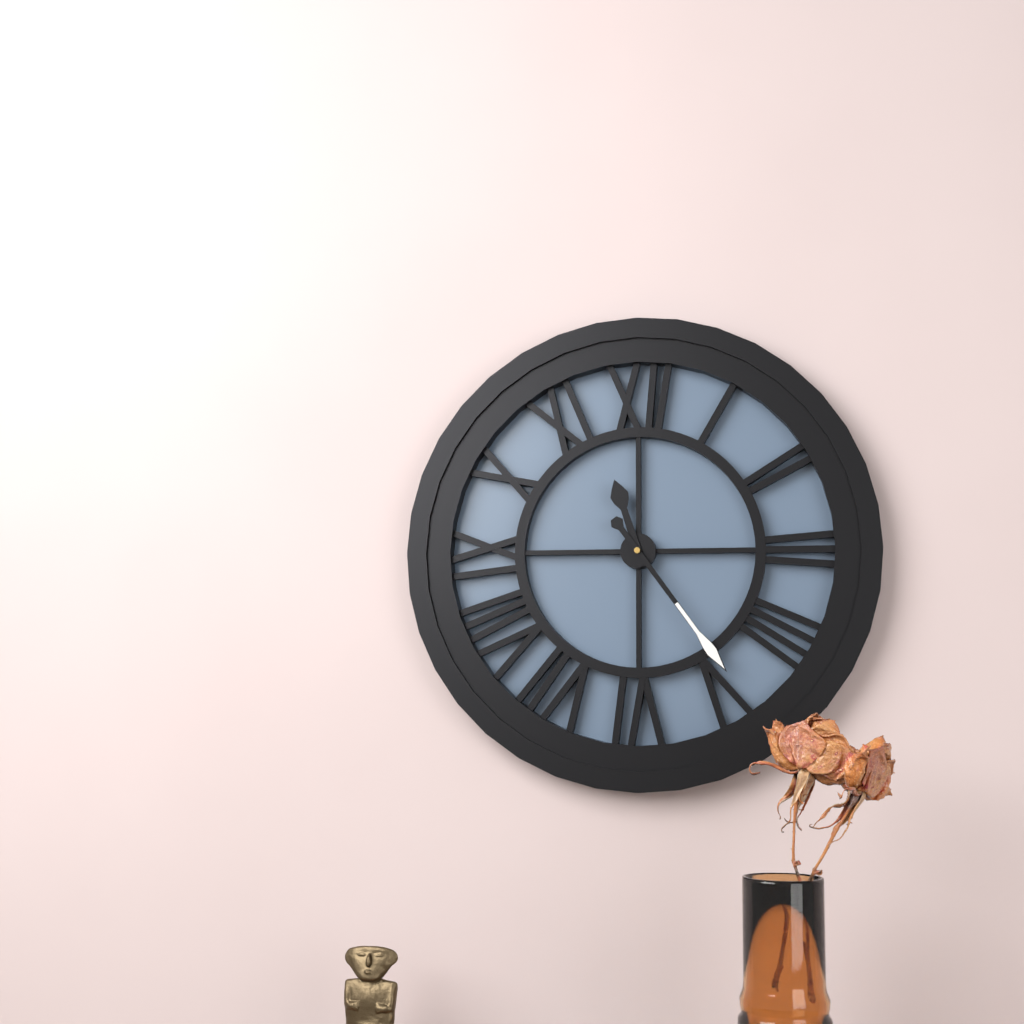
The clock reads 11.24
